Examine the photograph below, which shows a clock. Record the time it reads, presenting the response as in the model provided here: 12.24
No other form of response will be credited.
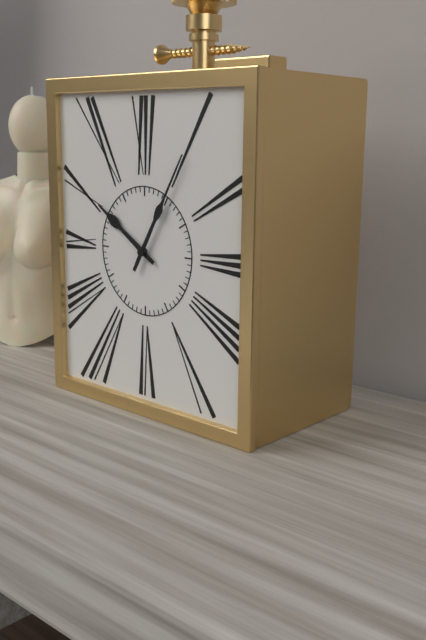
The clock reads 10.05
